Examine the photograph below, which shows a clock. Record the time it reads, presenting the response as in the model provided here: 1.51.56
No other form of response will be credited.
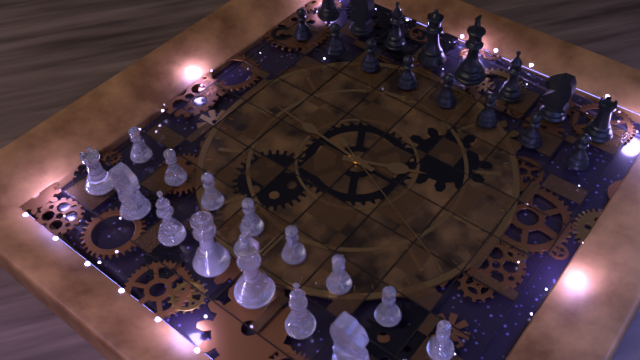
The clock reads 8.16.49
